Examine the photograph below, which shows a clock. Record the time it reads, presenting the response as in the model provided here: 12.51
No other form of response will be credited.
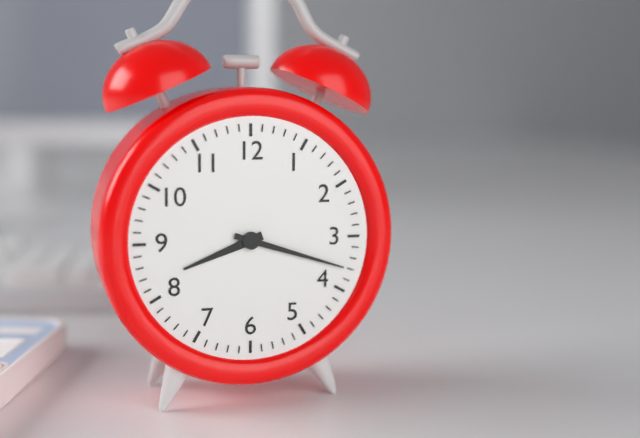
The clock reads 8.18
